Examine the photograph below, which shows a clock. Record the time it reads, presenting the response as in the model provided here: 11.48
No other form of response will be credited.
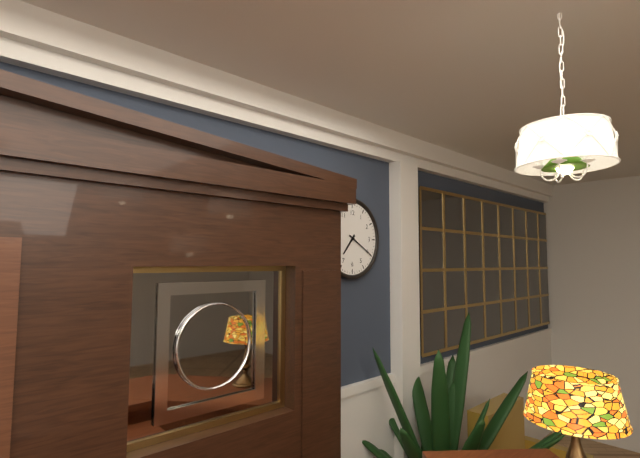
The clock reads 7.20
